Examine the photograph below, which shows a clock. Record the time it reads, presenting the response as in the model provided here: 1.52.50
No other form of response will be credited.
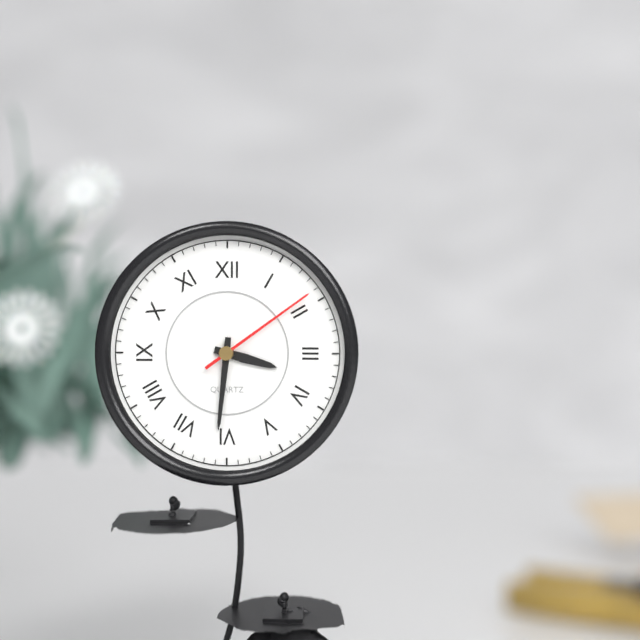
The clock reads 3.31.09
